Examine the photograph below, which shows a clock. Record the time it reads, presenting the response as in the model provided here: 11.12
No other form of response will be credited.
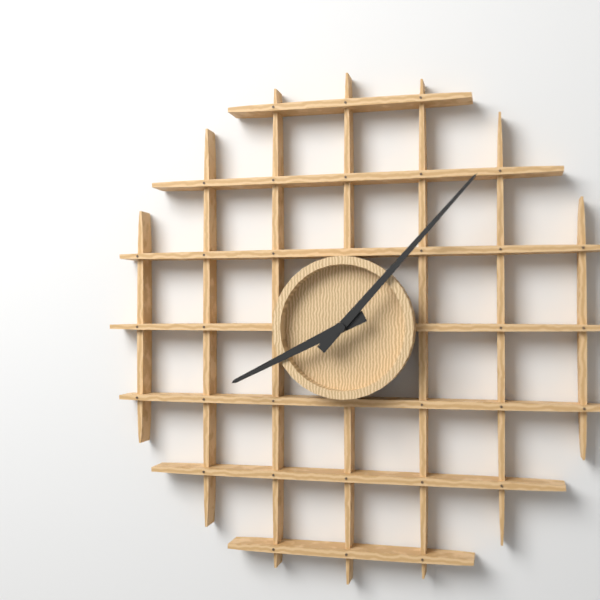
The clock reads 8.07
